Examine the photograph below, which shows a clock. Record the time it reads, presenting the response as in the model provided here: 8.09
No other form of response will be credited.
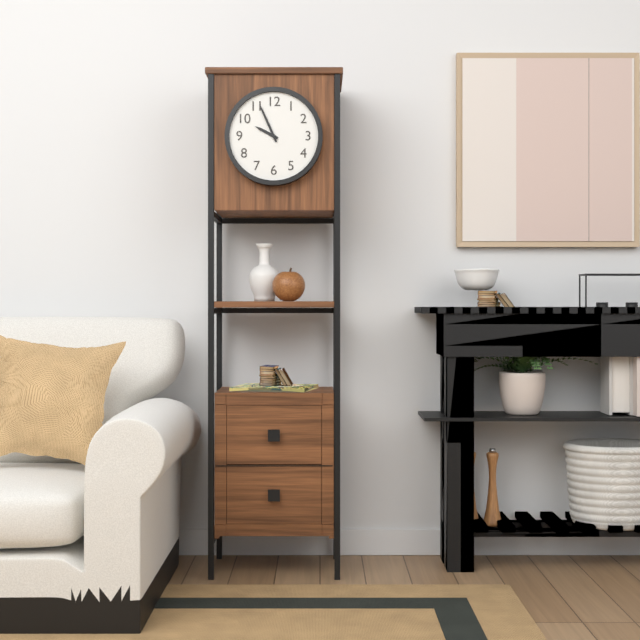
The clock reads 9.56
